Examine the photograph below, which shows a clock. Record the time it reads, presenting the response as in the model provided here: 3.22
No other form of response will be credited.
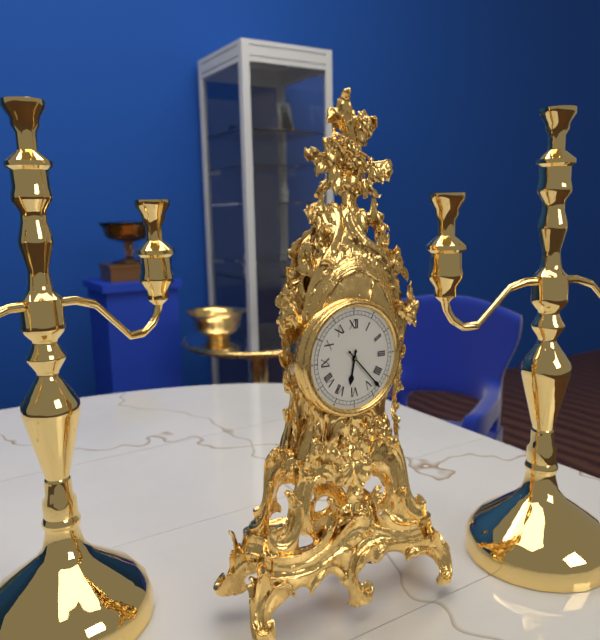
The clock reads 6.23
